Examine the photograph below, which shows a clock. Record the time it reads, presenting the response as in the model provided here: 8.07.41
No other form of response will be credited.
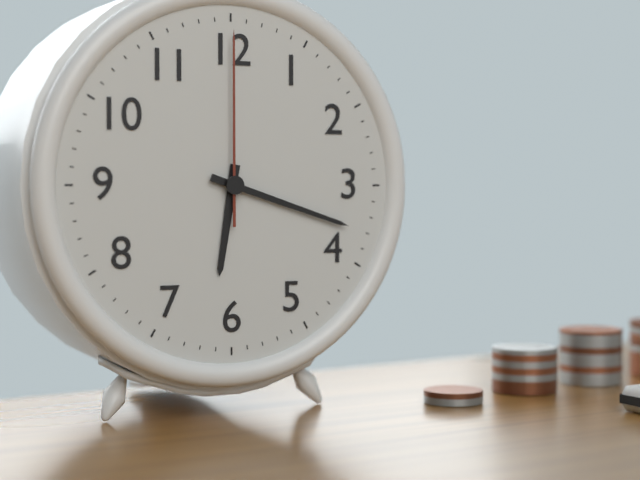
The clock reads 6.18.00
